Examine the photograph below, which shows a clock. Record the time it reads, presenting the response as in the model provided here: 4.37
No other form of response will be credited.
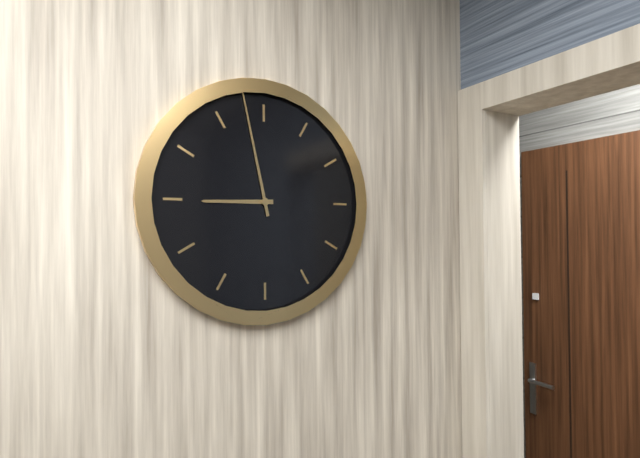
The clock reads 8.58
